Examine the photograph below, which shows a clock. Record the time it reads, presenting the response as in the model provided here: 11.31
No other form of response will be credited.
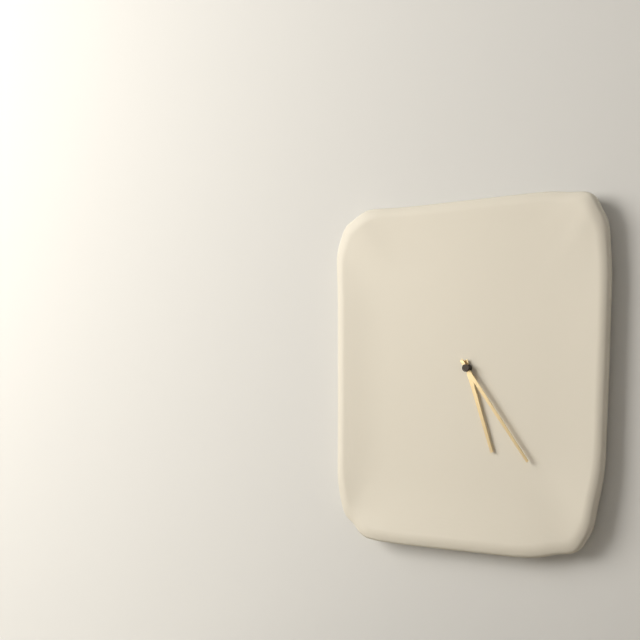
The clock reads 5.24
